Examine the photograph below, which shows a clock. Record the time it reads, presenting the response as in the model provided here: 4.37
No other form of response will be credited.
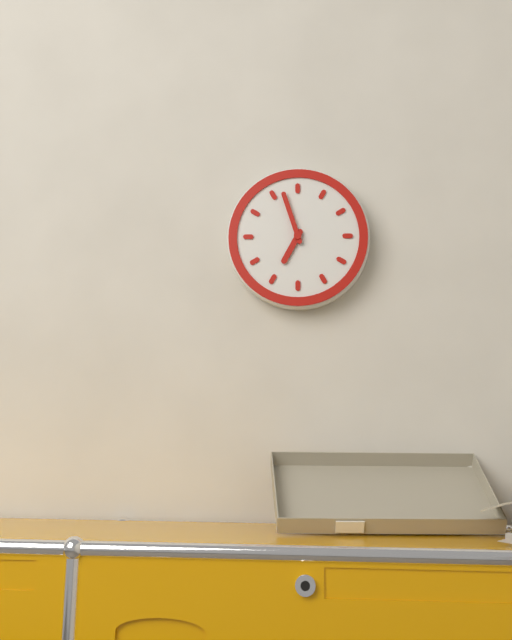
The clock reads 6.57
